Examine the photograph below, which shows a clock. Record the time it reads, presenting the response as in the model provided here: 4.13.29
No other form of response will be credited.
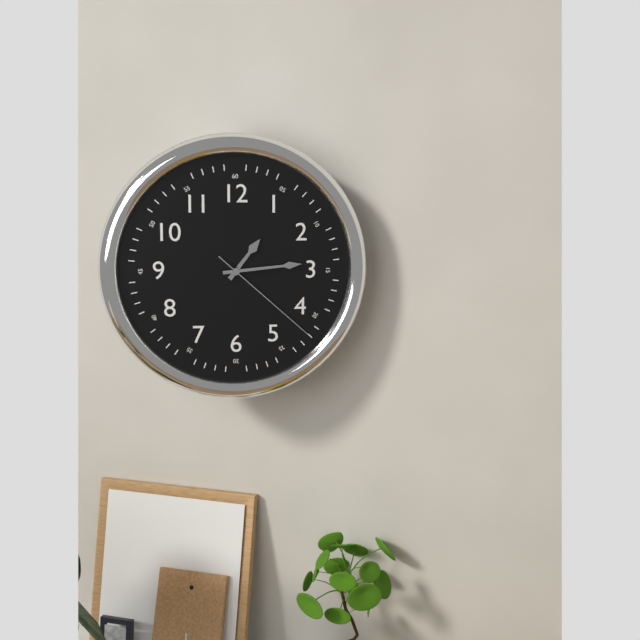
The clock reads 1.14.22
